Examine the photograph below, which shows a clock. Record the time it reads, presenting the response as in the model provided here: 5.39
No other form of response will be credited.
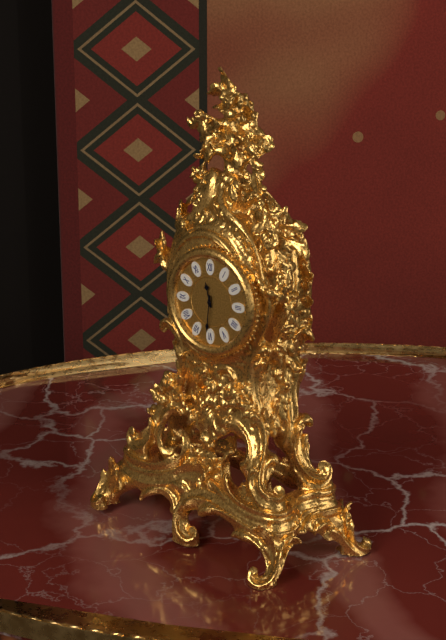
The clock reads 11.31
